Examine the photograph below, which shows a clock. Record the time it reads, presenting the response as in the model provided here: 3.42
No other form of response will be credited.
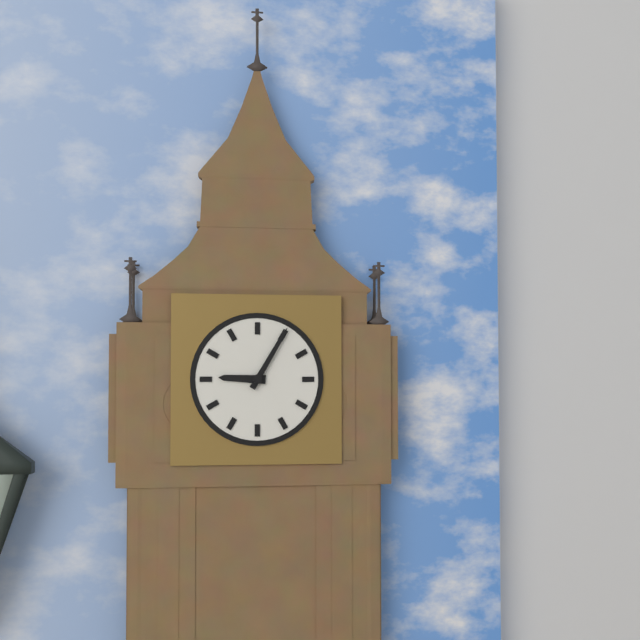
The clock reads 9.05
